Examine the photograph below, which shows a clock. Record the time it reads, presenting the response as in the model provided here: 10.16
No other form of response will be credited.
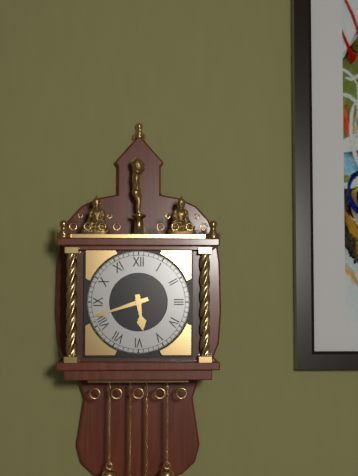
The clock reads 5.42
